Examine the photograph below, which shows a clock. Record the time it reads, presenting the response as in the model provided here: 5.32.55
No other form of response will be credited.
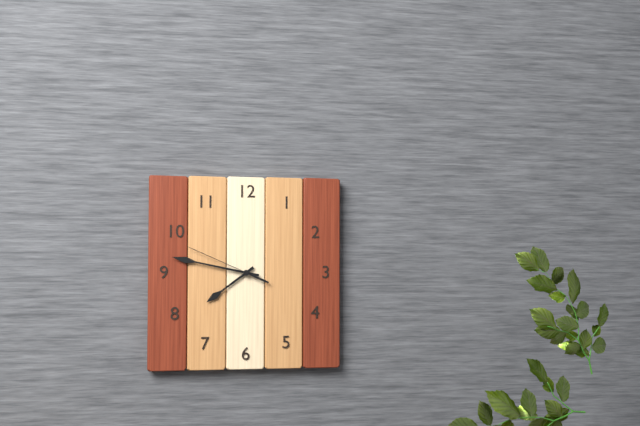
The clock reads 7.47.49
